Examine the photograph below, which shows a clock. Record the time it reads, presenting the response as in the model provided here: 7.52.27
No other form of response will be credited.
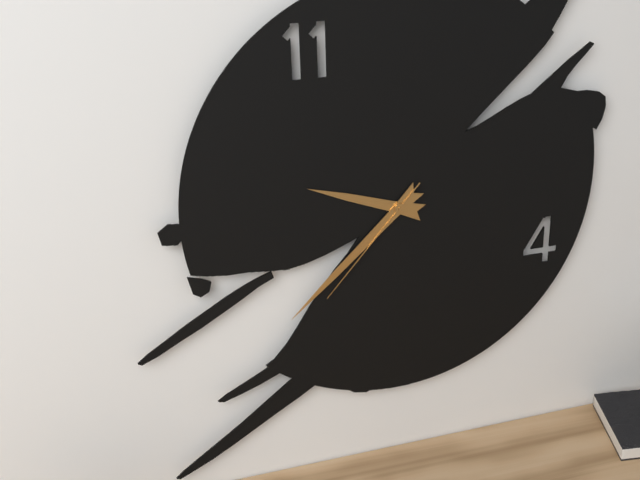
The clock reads 9.38.37
